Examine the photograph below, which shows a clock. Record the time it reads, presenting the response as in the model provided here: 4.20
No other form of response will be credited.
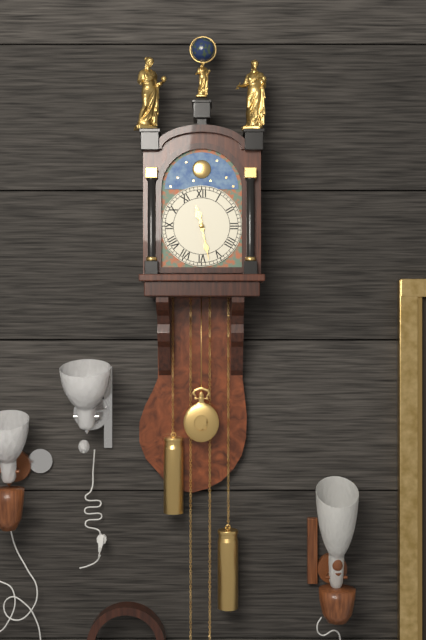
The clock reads 11.28
